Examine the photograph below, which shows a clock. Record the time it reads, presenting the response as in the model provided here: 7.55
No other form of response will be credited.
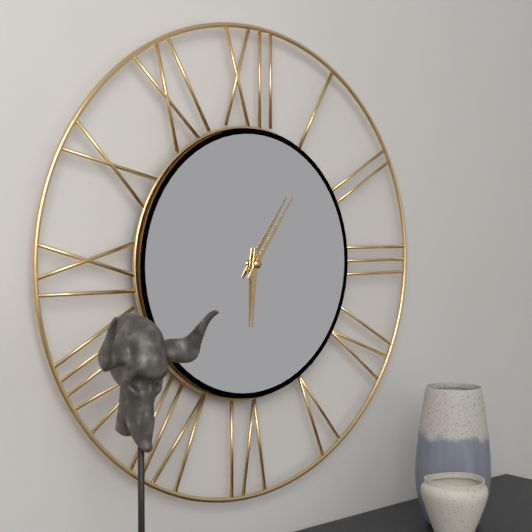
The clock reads 6.06
